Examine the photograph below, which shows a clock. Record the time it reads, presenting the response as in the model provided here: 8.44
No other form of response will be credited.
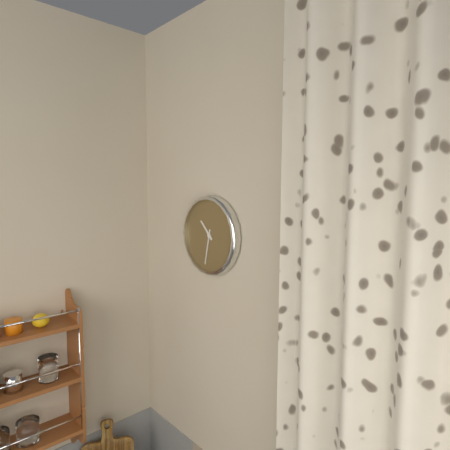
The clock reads 10.32
